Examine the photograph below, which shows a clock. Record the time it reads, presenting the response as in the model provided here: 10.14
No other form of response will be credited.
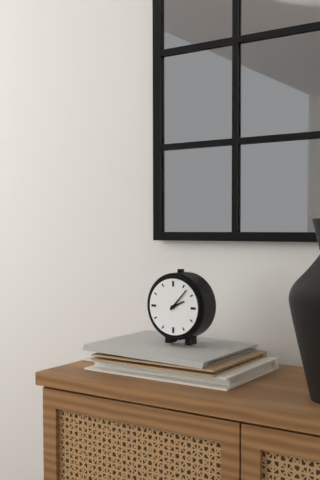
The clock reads 2.07
